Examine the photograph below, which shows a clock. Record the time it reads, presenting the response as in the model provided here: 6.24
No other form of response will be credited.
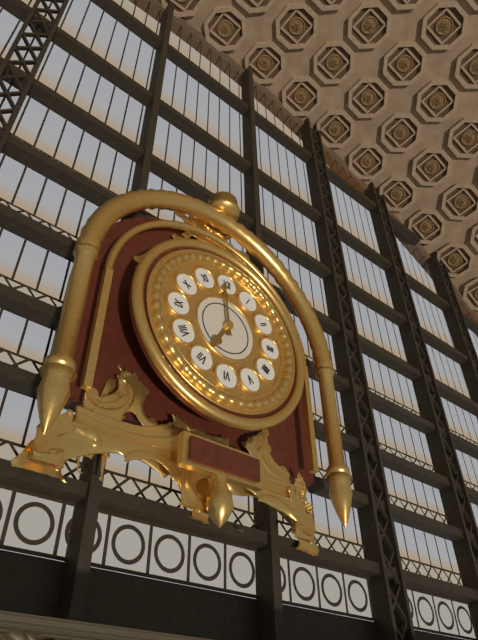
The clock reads 6.59
